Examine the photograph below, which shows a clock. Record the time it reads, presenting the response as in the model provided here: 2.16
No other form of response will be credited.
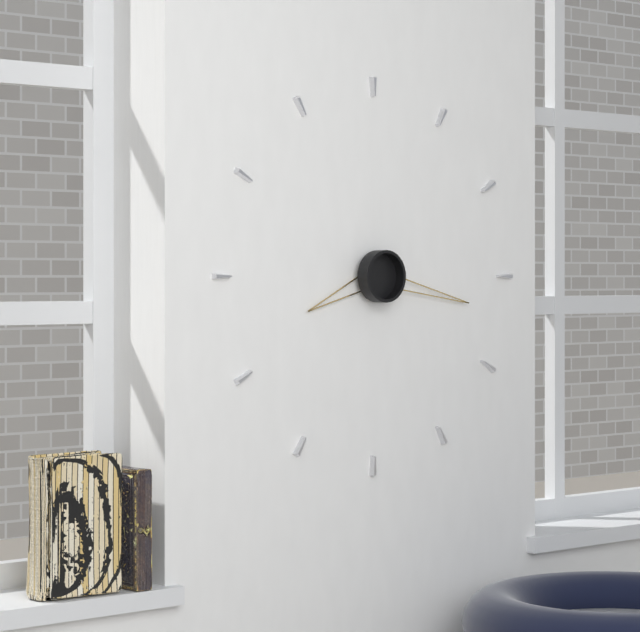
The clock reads 8.17
